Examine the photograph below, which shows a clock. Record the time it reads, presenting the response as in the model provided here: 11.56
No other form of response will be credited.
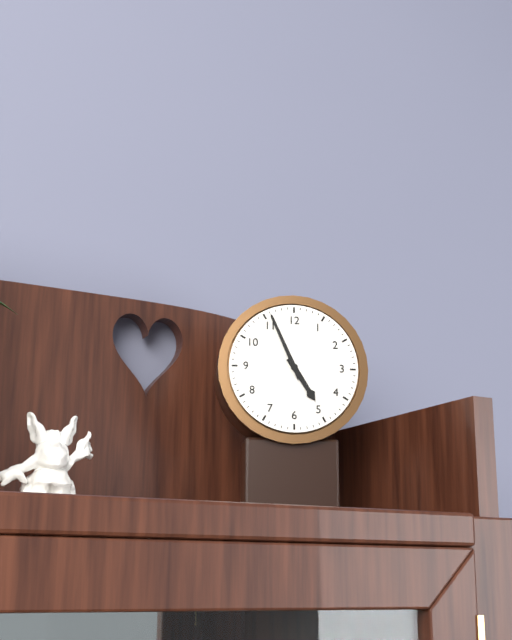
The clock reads 4.56
